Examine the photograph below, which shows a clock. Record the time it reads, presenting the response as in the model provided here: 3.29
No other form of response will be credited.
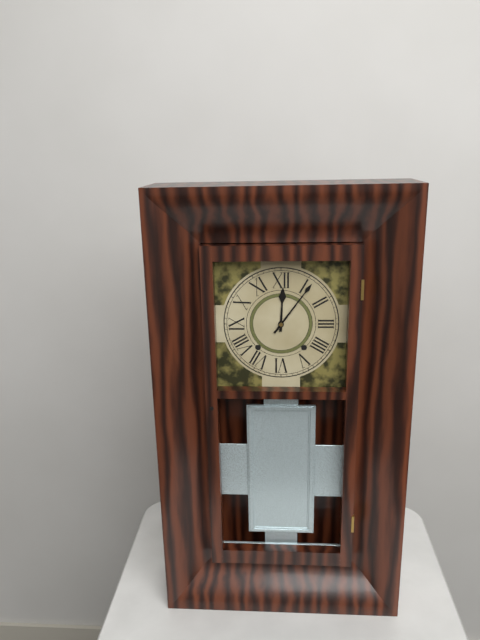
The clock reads 12.06
